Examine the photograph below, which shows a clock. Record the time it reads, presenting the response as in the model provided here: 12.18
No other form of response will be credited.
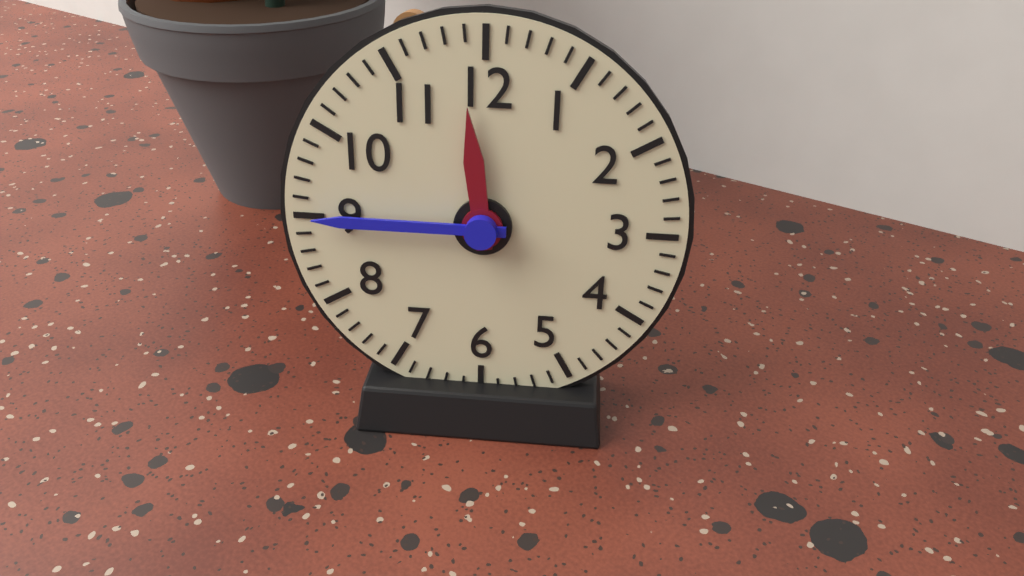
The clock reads 11.45
